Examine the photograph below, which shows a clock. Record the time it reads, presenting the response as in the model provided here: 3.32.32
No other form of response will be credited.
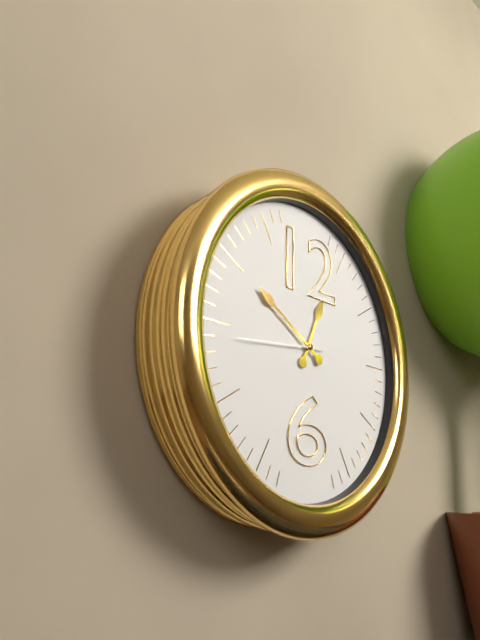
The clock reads 12.50.44
